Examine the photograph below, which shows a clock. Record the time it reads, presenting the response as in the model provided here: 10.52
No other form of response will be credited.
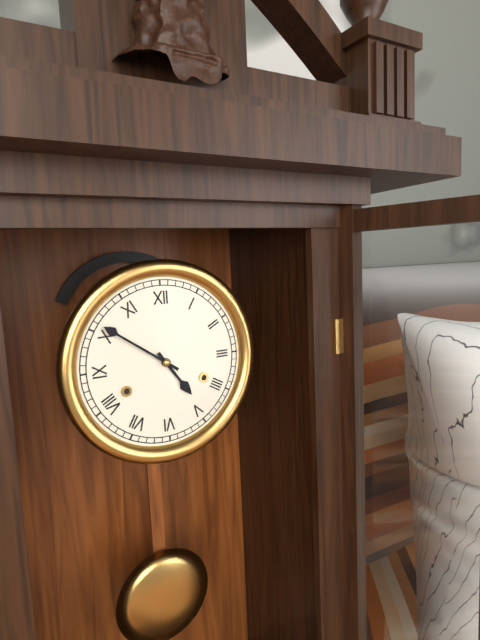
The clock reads 4.51
